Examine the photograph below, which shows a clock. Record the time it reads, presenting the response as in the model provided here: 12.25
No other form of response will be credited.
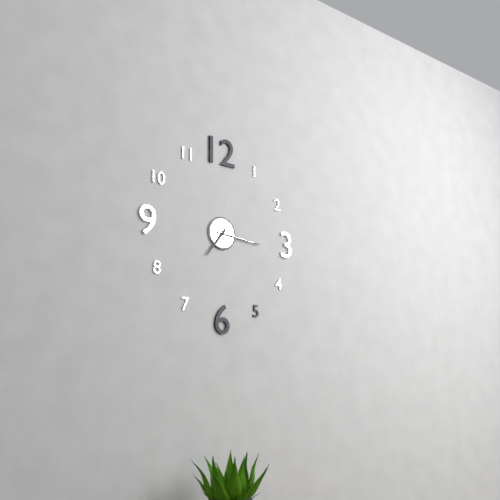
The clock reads 7.16
